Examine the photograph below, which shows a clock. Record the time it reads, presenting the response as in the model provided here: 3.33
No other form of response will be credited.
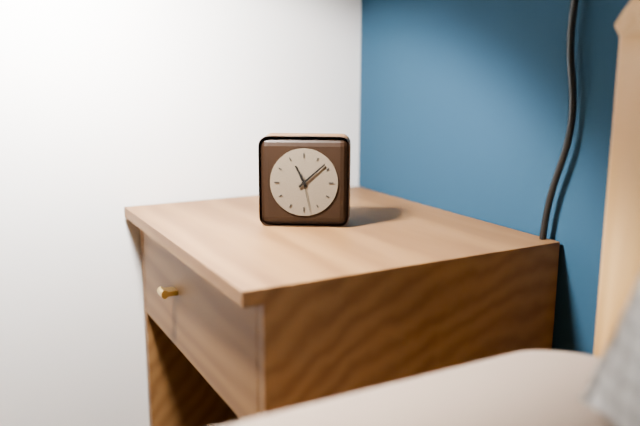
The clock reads 11.08
